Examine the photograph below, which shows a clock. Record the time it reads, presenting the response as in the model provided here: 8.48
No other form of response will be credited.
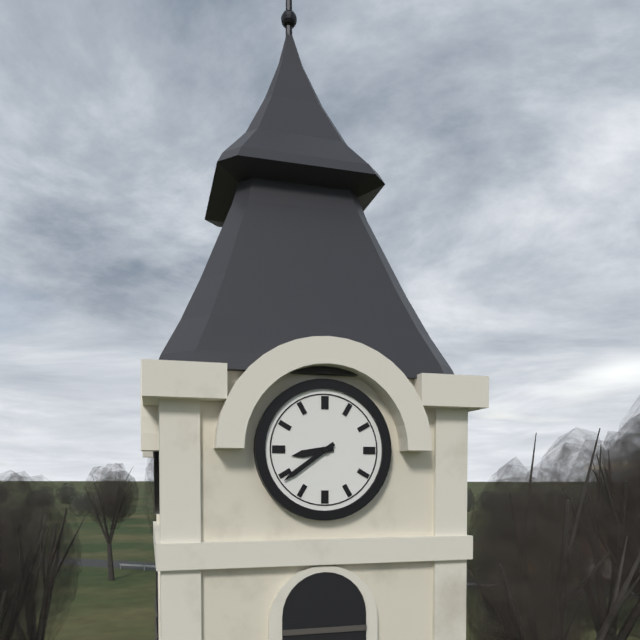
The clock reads 8.39
